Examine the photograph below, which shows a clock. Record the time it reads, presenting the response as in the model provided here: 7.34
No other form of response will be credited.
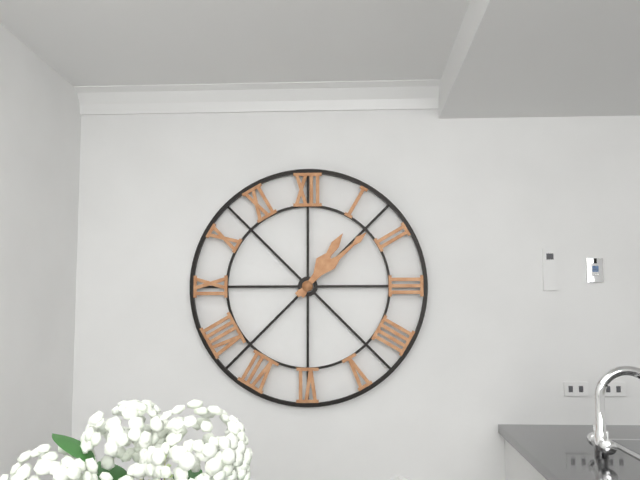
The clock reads 1.08
